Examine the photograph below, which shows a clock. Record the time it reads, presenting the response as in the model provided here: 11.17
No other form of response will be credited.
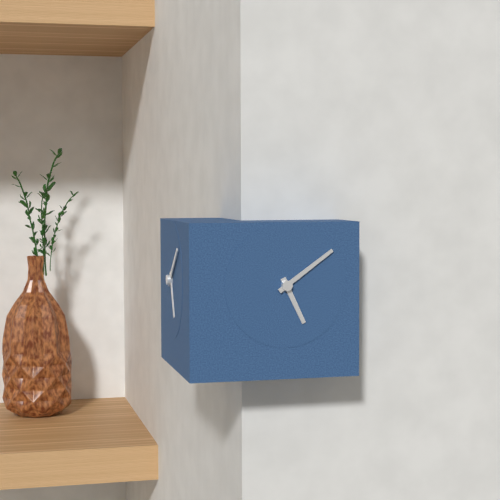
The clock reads 5.09
